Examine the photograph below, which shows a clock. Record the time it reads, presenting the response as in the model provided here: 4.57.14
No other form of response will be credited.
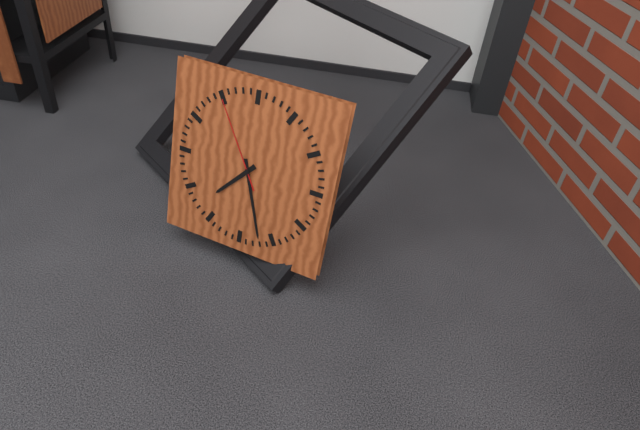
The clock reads 7.27.55
